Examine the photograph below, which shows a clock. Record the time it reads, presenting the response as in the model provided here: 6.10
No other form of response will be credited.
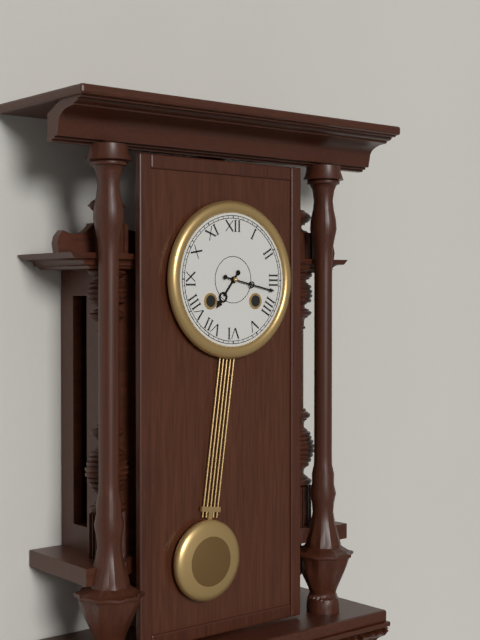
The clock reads 7.17
